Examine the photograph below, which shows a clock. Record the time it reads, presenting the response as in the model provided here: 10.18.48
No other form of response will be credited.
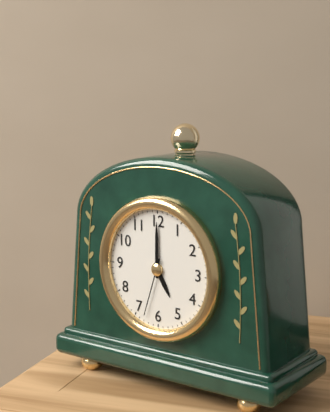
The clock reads 5.00.33
